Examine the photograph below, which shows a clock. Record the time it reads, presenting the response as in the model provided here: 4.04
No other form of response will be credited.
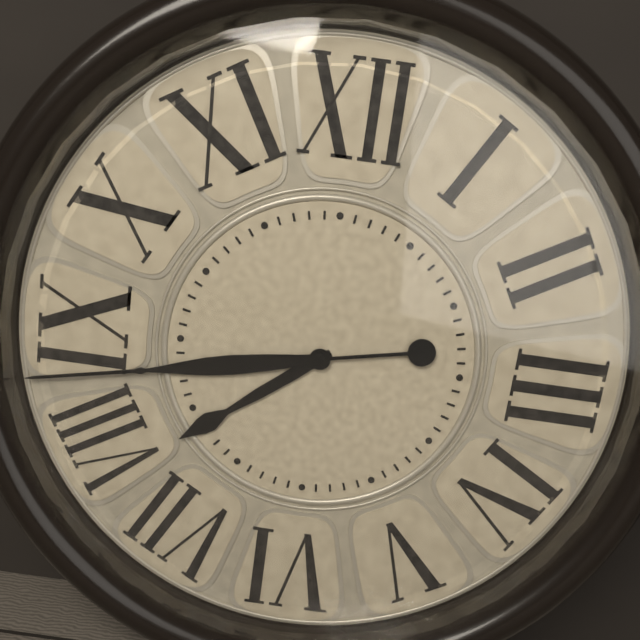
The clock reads 7.43
